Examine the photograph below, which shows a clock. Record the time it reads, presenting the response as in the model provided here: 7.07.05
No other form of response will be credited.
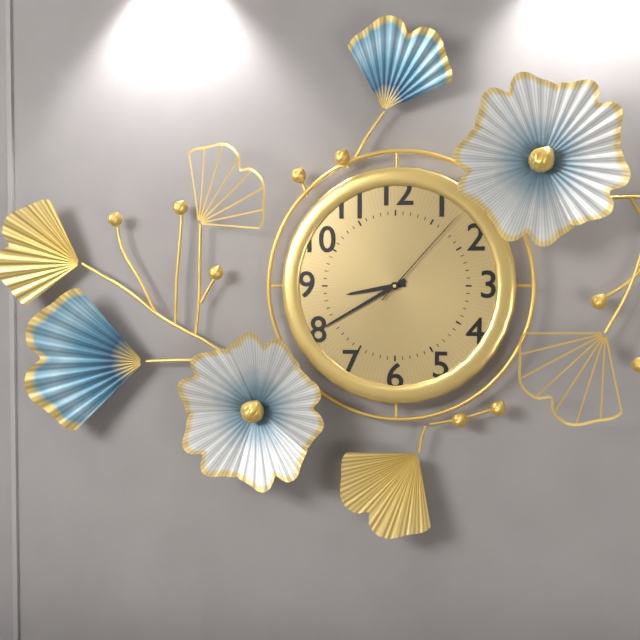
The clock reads 8.40.07
